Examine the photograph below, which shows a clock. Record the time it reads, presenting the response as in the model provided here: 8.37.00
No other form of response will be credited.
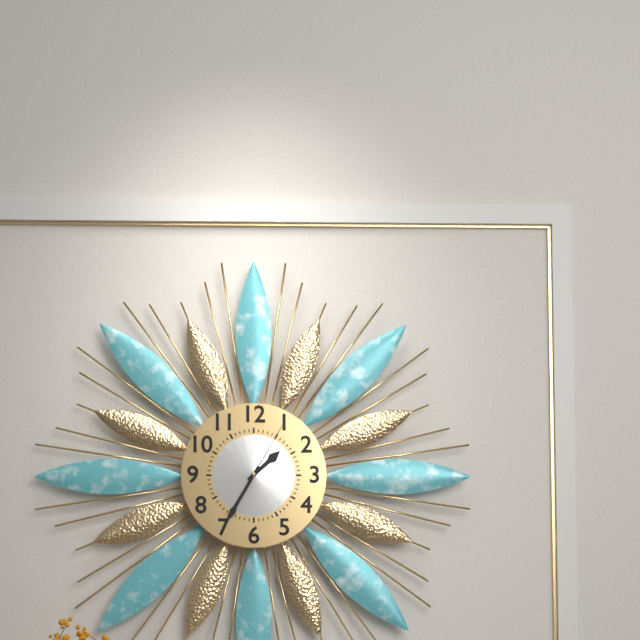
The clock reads 1.35.05
